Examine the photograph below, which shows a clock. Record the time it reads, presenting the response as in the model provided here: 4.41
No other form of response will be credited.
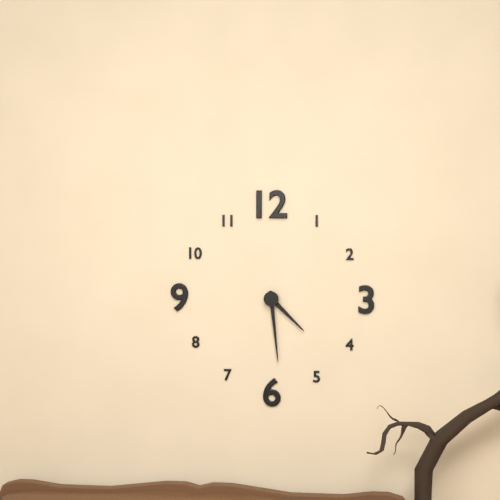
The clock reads 4.29
